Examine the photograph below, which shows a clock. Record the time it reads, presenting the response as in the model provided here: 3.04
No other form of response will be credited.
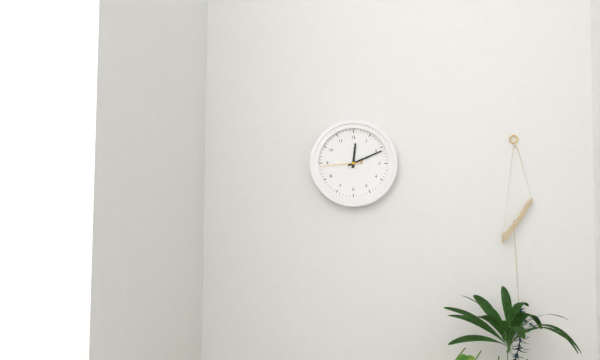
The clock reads 12.11
